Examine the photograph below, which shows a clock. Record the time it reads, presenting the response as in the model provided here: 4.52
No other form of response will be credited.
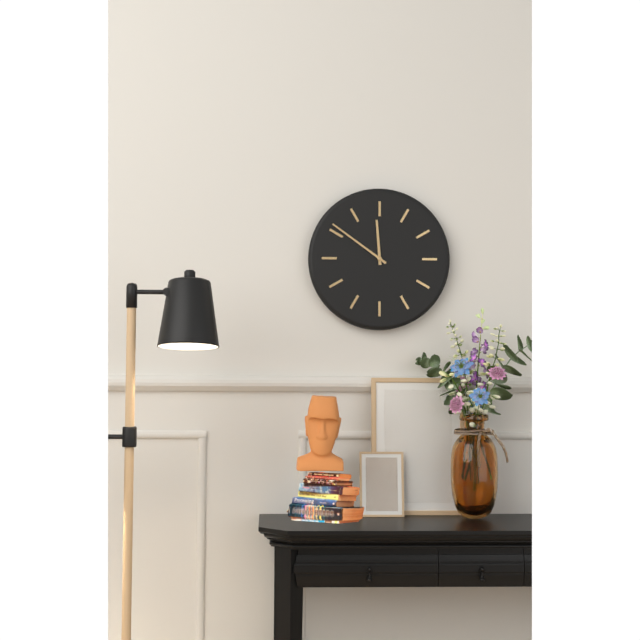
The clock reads 11.51
